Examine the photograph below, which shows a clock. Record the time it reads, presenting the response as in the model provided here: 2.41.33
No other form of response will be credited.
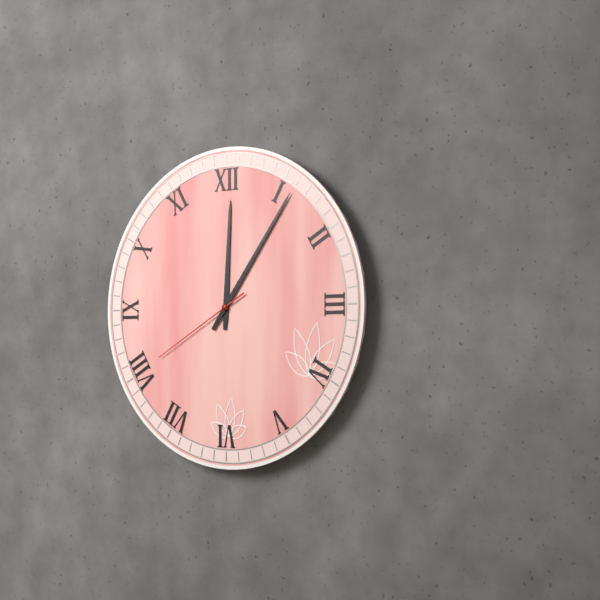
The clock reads 12.06.40
